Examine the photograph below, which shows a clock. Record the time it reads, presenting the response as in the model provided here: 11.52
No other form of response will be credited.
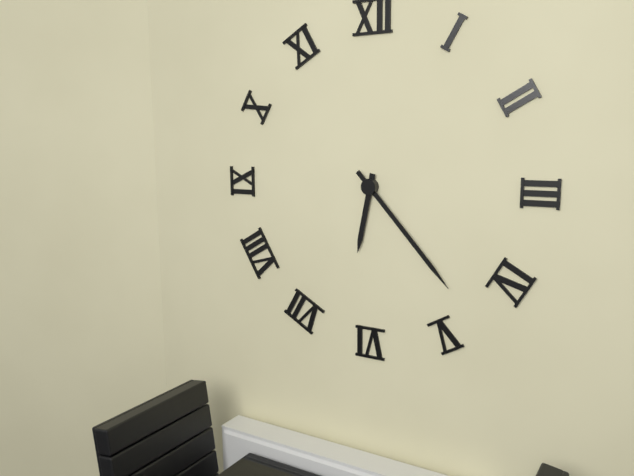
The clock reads 6.23
